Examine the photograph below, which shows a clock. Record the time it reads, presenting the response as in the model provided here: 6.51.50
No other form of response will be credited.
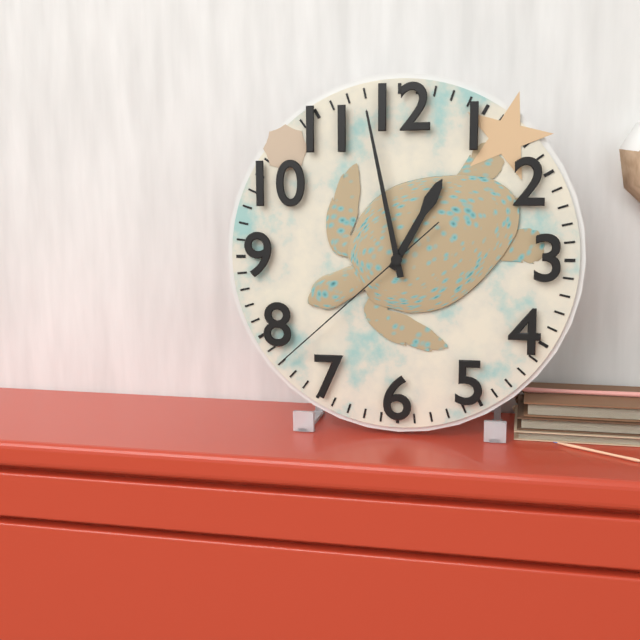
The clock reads 12.58.38
